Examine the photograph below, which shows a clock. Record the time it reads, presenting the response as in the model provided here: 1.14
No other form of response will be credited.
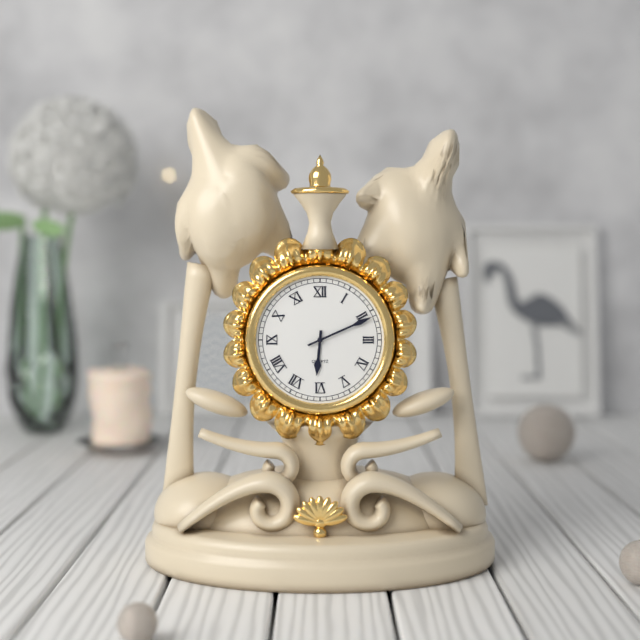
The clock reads 6.11
